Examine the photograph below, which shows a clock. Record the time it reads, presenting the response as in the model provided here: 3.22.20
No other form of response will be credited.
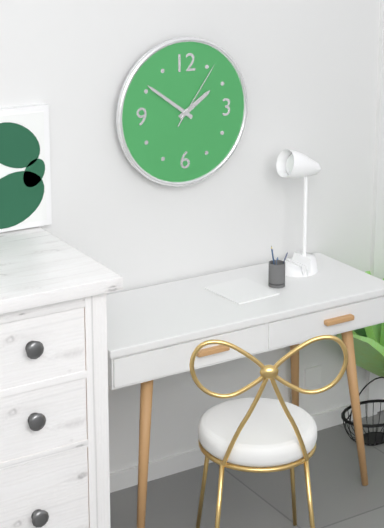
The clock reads 1.51.06
